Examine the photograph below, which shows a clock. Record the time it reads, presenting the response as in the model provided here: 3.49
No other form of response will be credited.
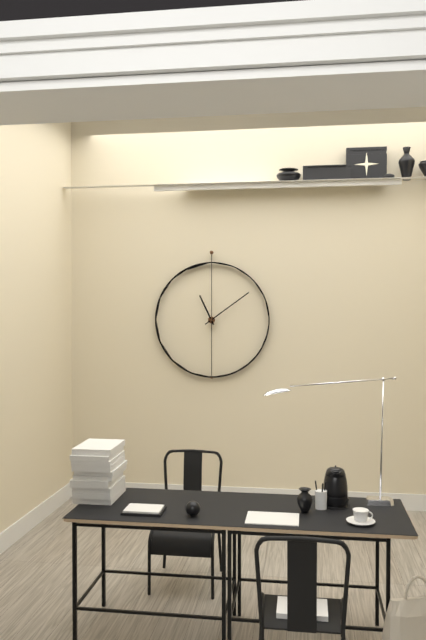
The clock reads 11.09
